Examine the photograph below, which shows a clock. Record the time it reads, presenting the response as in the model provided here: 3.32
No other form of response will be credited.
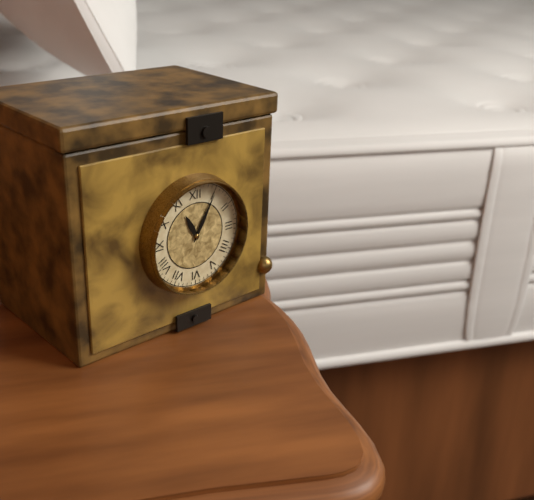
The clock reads 11.05
